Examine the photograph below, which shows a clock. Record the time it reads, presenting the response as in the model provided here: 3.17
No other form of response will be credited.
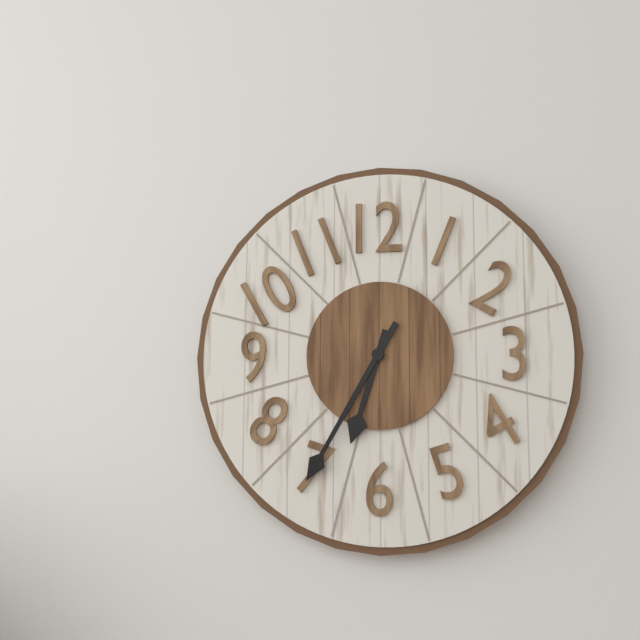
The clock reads 6.35
